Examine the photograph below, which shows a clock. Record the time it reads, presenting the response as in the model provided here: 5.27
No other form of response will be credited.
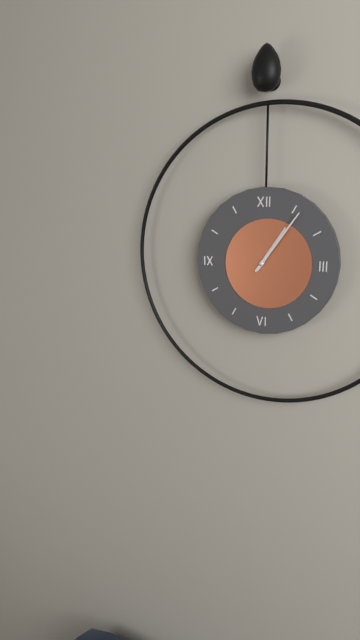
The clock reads 1.06
